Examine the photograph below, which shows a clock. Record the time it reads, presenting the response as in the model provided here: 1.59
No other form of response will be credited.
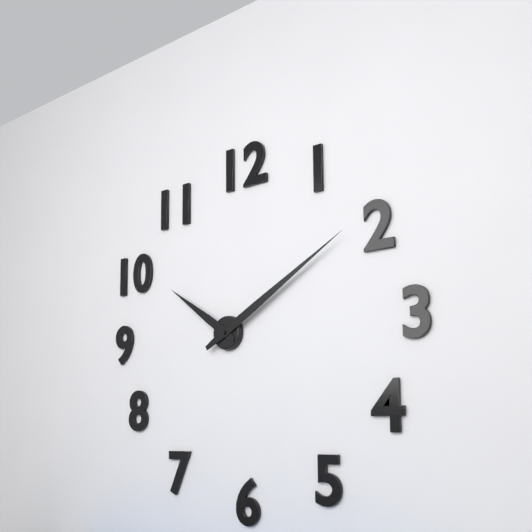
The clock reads 10.10
